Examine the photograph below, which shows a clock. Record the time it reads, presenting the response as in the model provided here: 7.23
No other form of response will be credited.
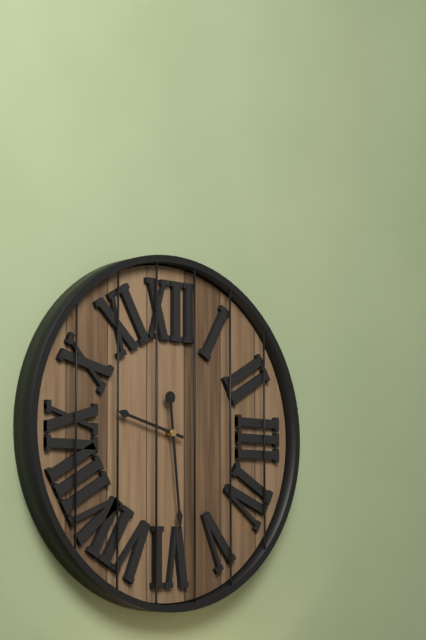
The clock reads 9.29
